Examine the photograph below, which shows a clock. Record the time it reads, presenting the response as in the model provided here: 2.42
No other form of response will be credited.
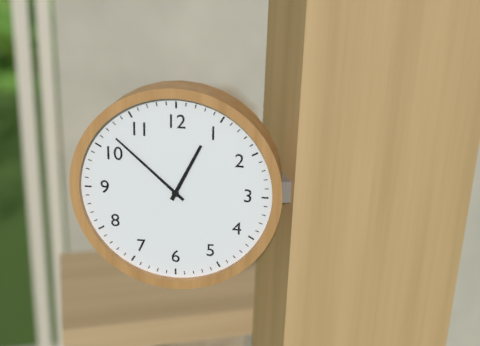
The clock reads 12.52
